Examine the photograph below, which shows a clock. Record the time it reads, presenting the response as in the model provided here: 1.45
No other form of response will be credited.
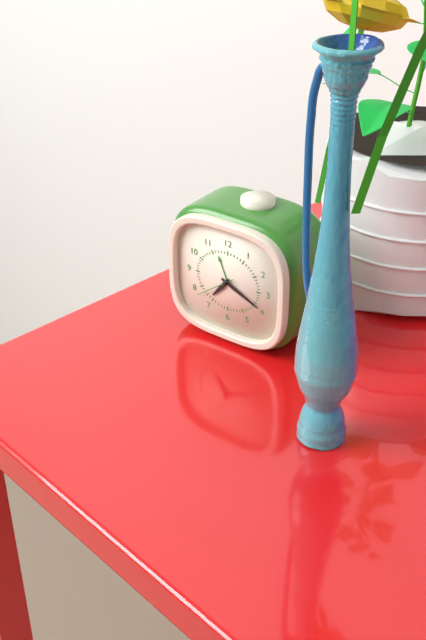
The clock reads 7.19
